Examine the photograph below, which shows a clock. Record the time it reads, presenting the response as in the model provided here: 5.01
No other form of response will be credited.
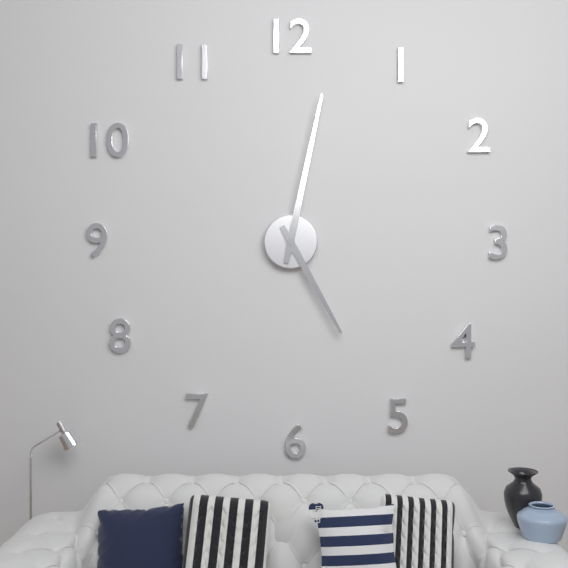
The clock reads 5.02
